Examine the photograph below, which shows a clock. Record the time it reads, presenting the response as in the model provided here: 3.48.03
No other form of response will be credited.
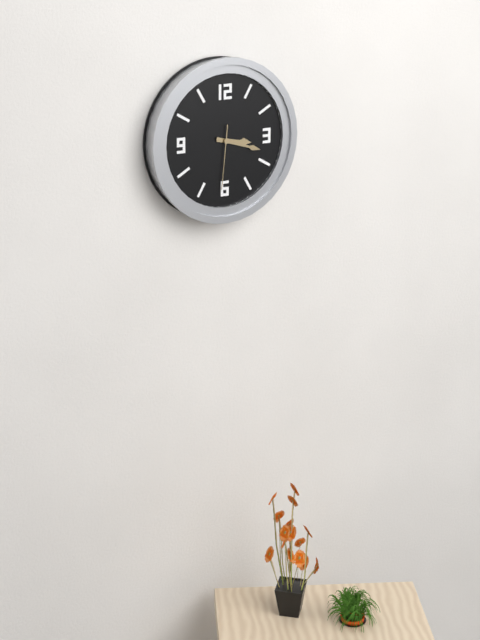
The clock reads 3.18.31
